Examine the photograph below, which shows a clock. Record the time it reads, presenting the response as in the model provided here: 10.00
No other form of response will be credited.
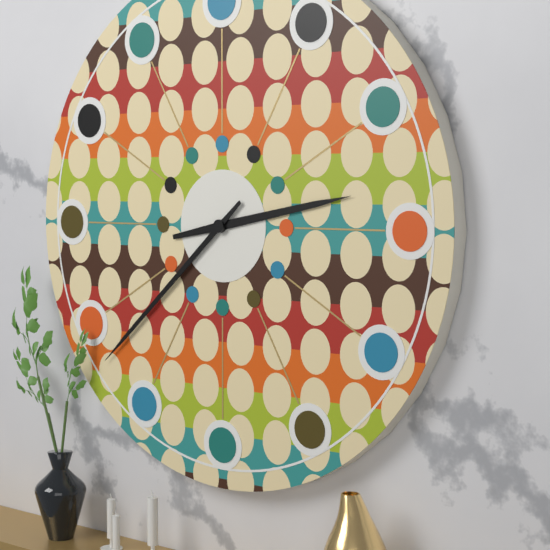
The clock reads 2.38
